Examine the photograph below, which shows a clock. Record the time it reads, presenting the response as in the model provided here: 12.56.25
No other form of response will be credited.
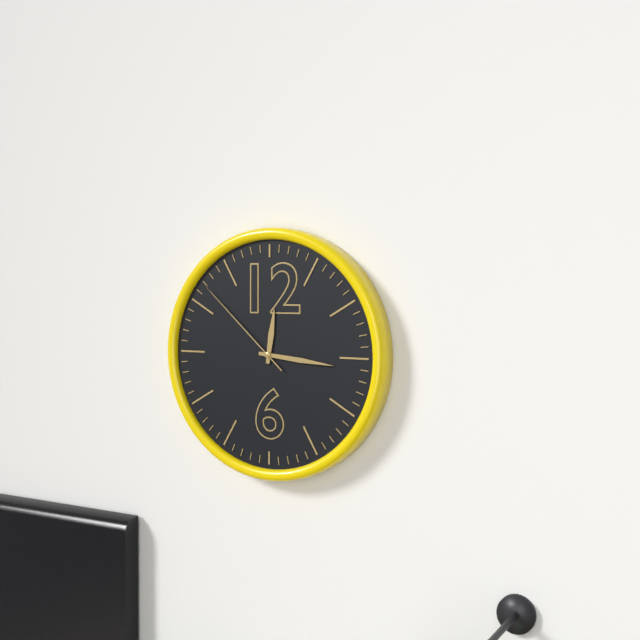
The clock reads 12.16.52
